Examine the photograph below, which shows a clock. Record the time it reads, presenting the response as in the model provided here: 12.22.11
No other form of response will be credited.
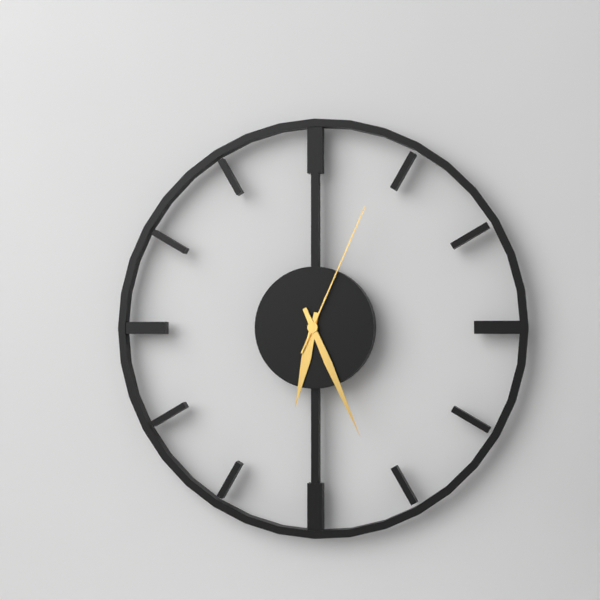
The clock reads 6.26.04
